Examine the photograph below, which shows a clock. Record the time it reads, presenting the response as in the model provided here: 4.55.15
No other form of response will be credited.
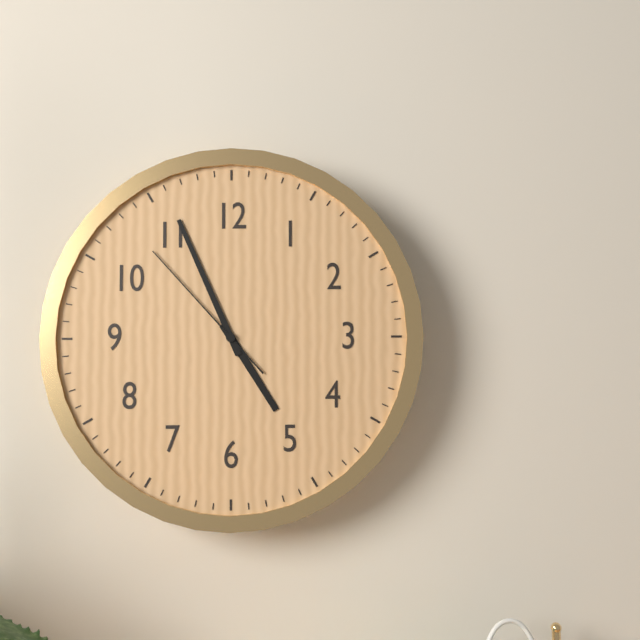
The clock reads 4.56.53
